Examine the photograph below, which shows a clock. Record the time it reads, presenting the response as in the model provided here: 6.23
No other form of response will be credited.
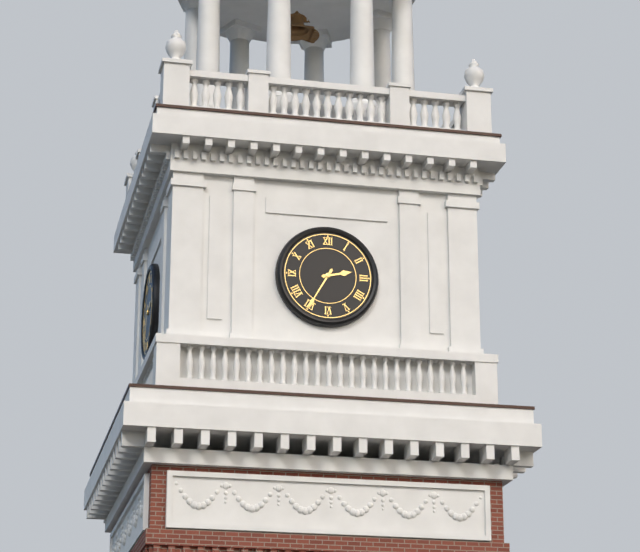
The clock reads 2.35
